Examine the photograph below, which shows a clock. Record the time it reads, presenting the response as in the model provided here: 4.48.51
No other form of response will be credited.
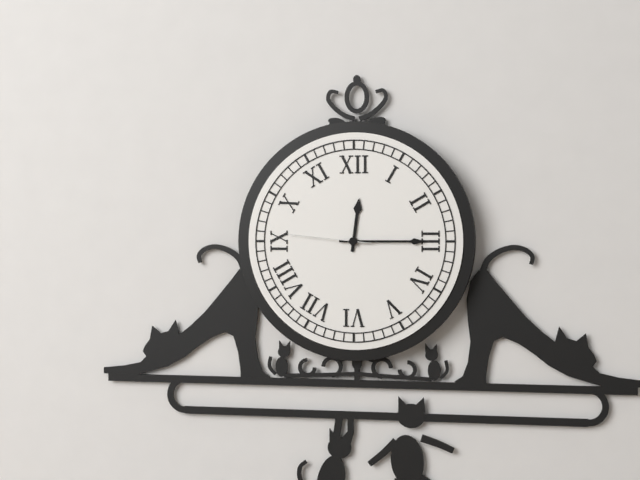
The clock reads 12.15.46
